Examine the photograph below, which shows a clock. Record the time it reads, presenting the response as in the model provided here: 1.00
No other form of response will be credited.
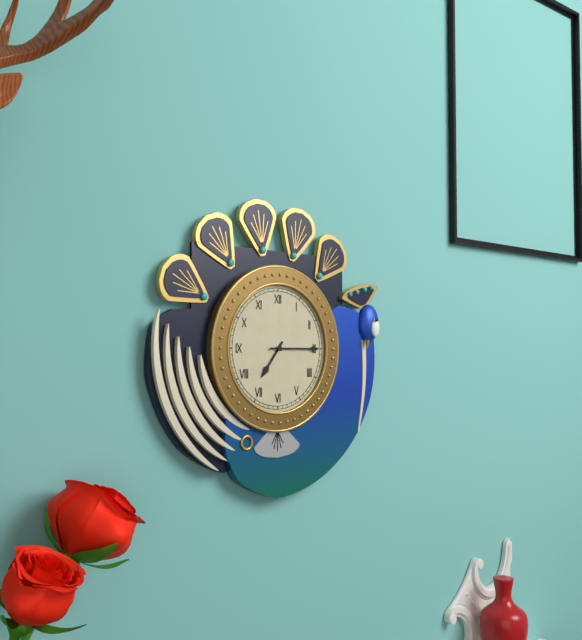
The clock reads 7.15
